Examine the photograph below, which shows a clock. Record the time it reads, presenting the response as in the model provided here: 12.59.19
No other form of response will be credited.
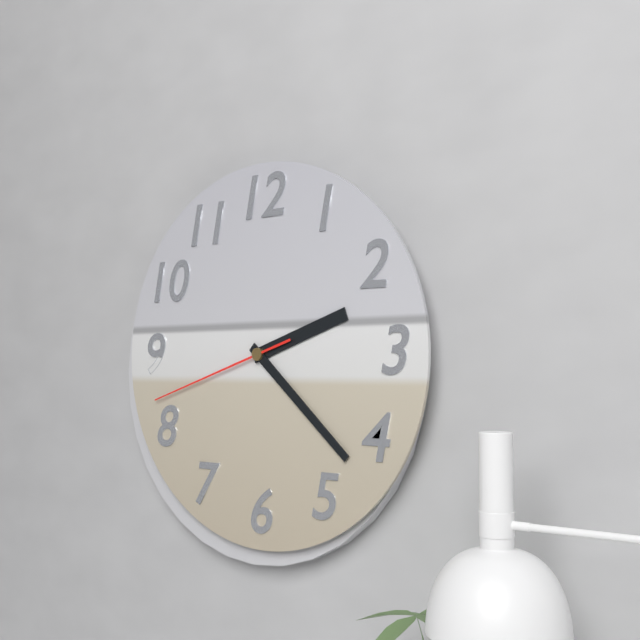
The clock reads 2.22.42
